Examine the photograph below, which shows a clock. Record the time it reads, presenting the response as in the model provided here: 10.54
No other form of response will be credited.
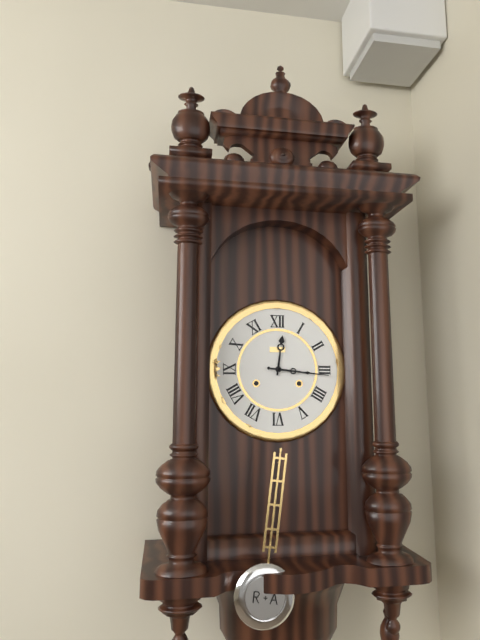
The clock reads 12.16
